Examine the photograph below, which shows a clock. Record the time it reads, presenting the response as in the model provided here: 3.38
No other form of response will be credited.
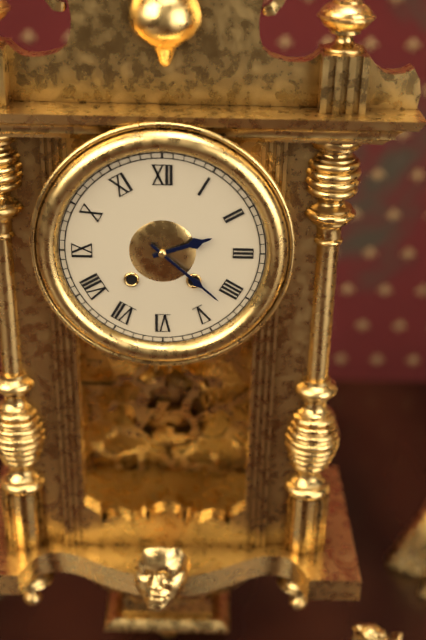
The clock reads 2.22
